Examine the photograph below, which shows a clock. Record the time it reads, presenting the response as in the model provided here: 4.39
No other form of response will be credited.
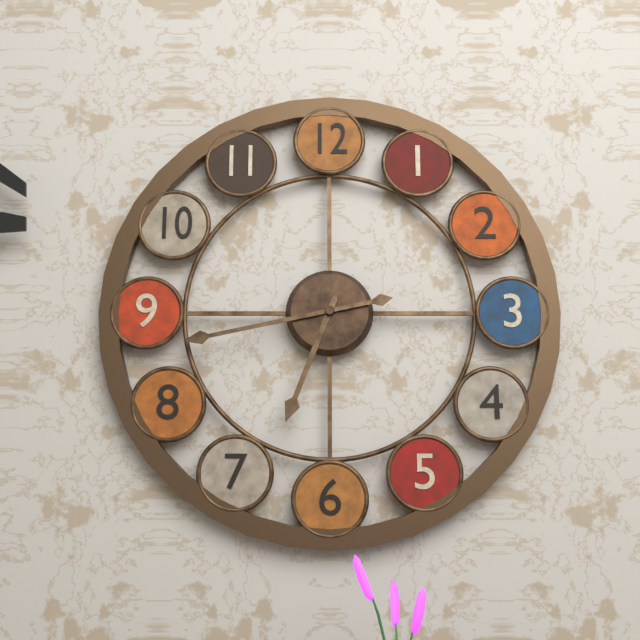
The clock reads 6.43
